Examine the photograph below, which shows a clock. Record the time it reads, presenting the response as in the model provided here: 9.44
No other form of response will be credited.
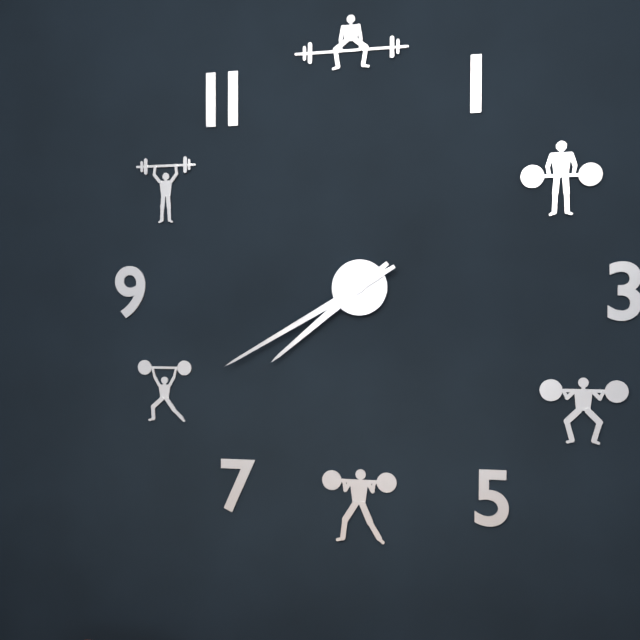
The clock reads 7.40
